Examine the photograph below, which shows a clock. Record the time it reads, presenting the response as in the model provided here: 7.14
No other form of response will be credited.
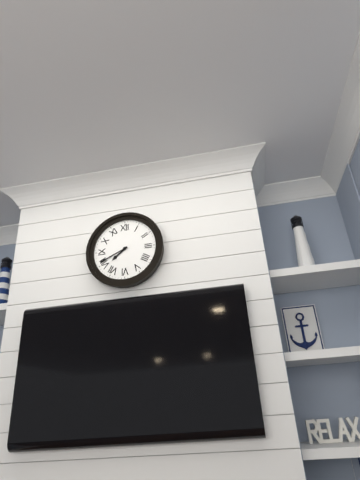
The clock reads 7.41
